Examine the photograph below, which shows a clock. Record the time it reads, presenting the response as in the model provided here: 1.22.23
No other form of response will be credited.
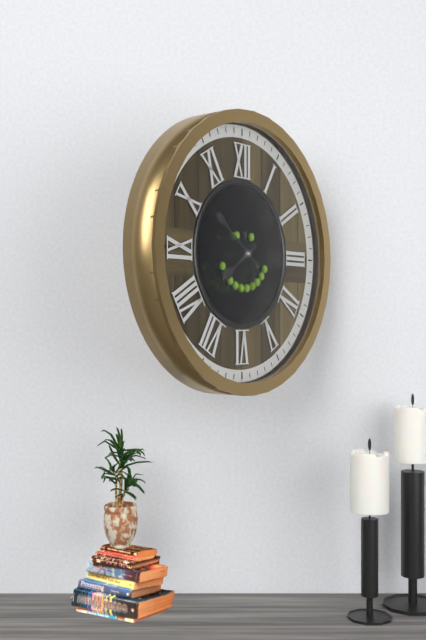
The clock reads 7.51.27
